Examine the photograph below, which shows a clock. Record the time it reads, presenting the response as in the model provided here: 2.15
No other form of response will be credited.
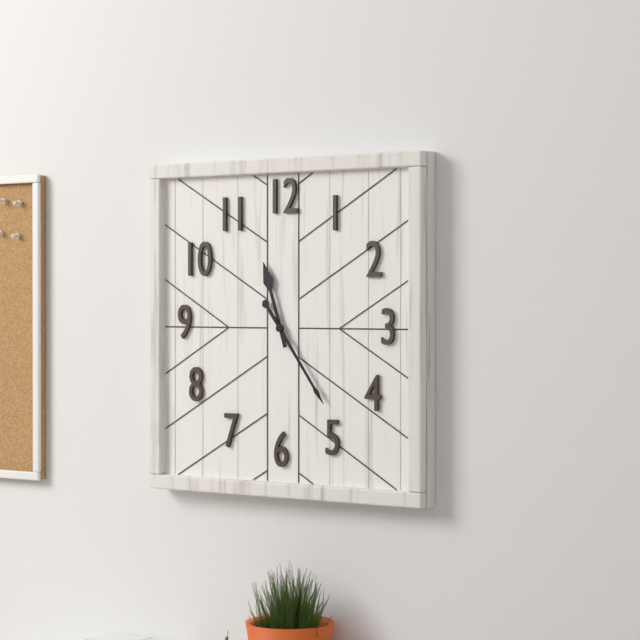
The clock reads 11.24
